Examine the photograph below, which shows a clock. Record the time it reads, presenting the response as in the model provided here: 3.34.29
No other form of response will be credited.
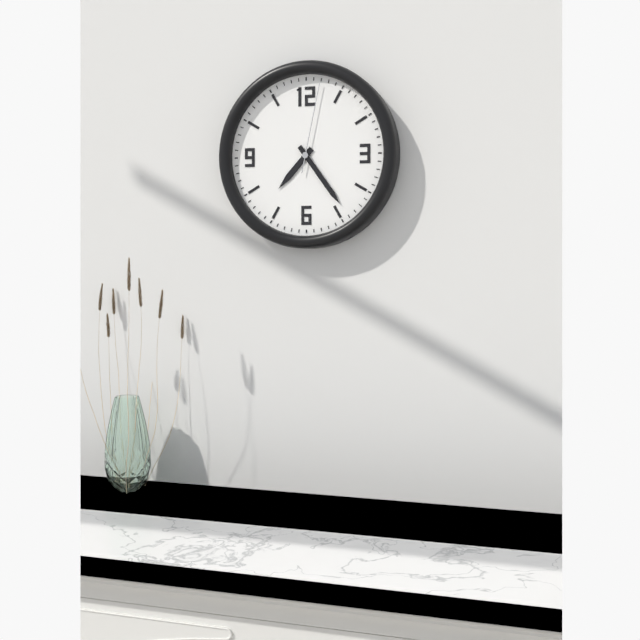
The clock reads 7.24.02
